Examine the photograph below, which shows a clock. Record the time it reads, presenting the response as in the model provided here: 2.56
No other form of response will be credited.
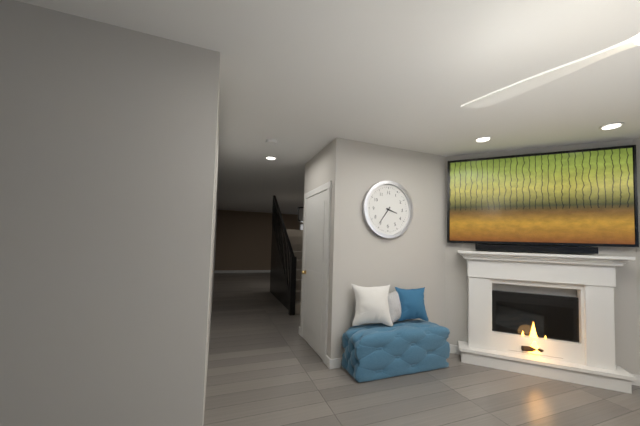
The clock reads 3.36
